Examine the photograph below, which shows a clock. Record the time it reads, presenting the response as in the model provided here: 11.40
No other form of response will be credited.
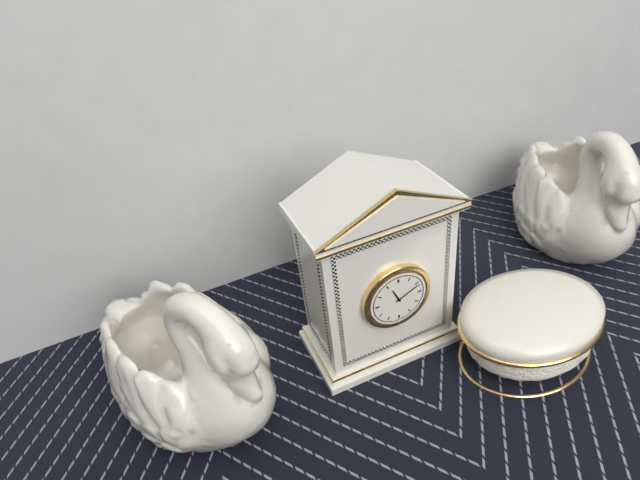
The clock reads 11.11
